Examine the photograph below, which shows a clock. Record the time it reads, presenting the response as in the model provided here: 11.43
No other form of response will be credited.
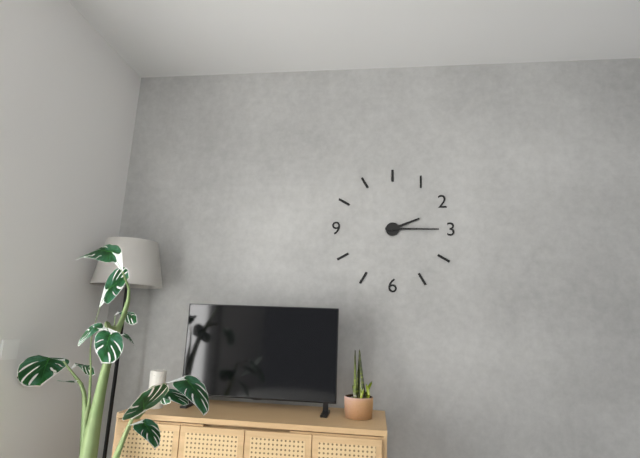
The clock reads 2.15
